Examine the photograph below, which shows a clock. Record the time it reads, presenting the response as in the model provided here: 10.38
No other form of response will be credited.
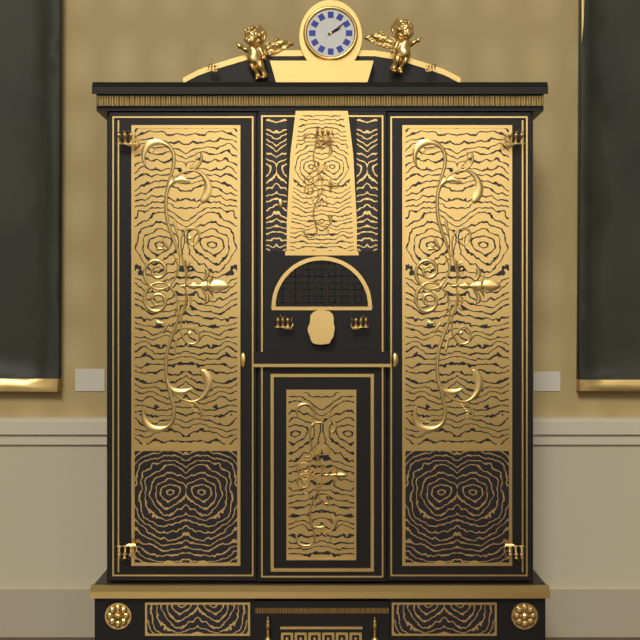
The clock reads 2.09
